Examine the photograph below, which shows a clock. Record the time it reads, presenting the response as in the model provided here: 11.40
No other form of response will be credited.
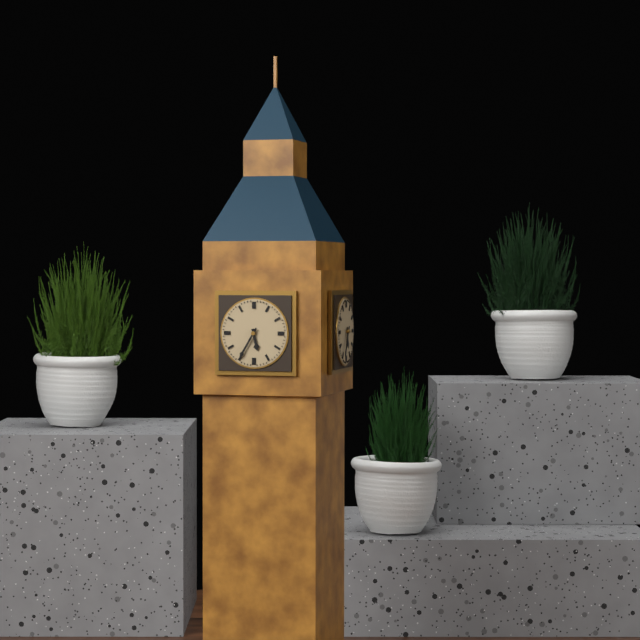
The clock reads 5.35
